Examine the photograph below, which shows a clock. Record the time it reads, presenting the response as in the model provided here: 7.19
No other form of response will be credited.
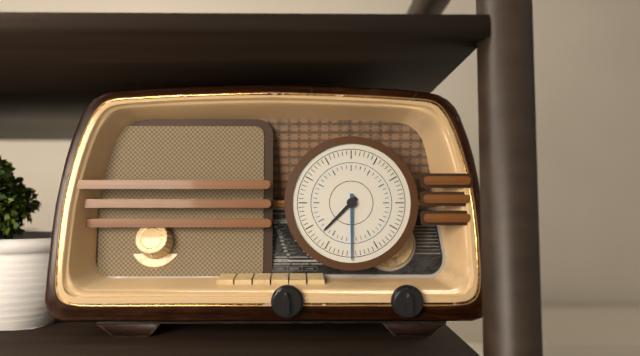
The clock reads 7.30
